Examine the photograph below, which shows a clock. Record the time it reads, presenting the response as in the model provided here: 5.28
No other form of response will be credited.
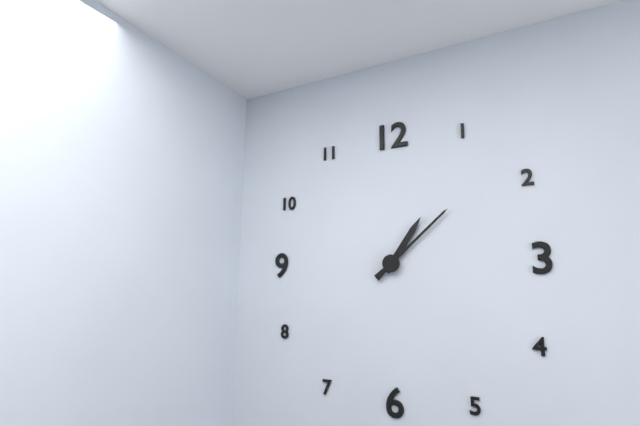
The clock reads 1.08
